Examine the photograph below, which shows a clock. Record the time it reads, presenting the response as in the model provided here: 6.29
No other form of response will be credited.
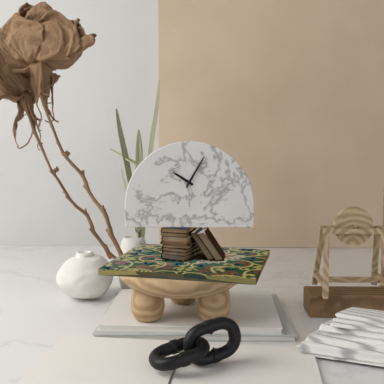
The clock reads 10.05
